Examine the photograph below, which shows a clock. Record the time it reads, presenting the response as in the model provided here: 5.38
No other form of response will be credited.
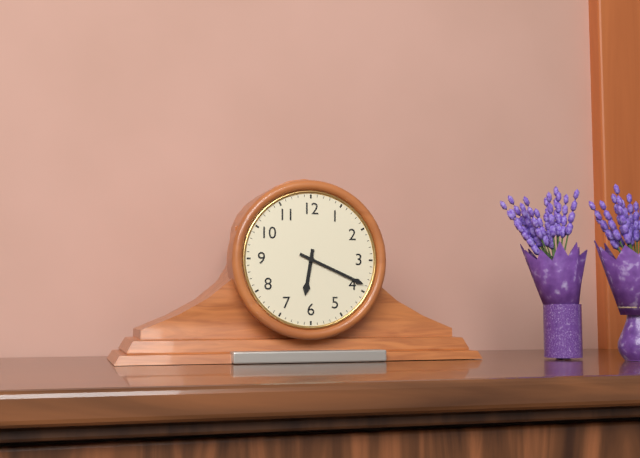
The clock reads 6.19
